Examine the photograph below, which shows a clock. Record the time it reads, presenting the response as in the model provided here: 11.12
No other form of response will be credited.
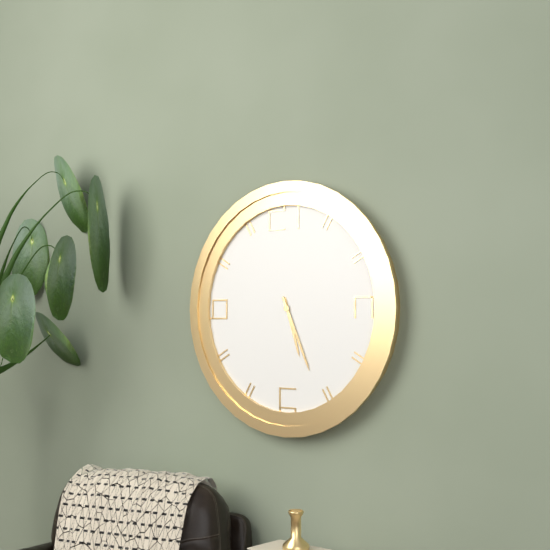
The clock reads 5.26
